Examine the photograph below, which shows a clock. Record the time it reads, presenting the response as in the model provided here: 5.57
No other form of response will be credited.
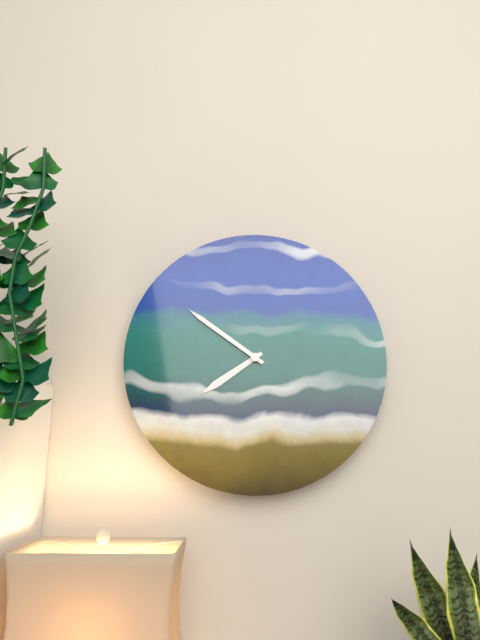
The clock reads 7.51
